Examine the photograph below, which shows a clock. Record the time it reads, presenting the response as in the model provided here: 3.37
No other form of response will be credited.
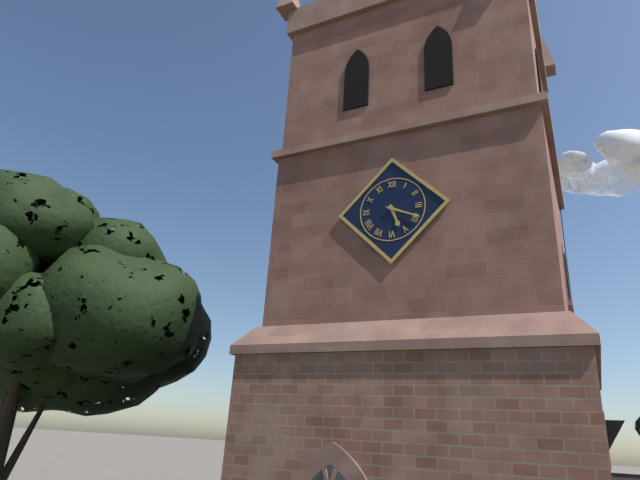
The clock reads 5.19
